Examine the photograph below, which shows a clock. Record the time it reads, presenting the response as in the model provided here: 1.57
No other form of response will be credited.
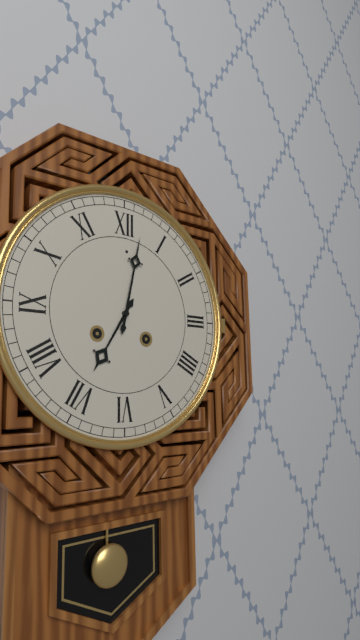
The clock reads 7.02
